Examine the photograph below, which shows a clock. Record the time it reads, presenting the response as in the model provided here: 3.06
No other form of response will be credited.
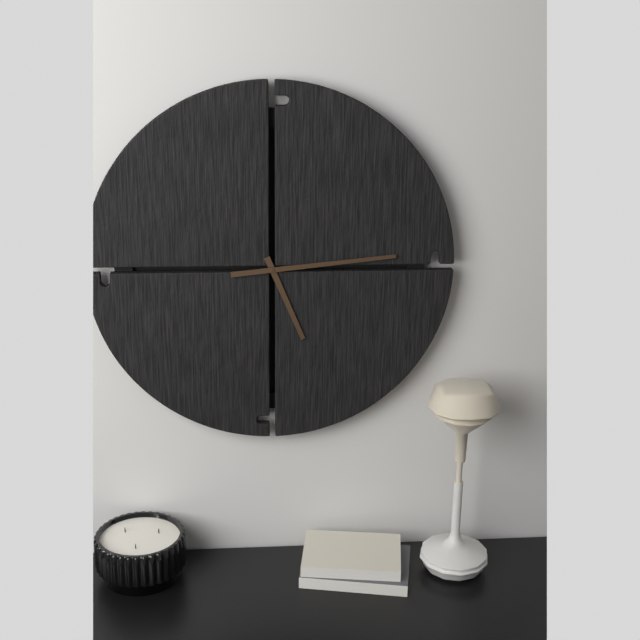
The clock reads 5.14
